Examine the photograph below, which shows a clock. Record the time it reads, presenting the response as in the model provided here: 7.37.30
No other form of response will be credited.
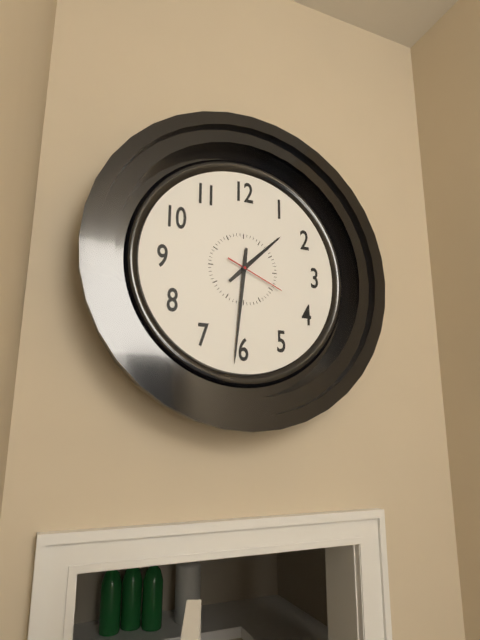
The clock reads 1.31.19
